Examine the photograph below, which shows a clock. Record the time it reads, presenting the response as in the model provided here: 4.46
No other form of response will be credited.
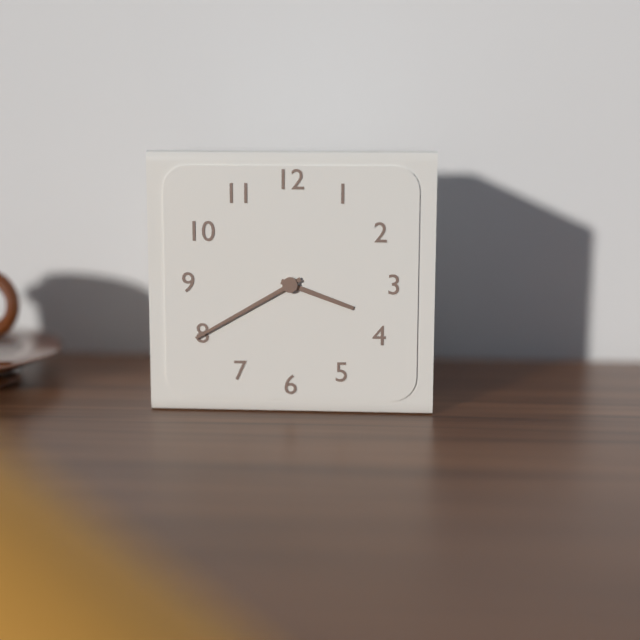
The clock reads 3.40
